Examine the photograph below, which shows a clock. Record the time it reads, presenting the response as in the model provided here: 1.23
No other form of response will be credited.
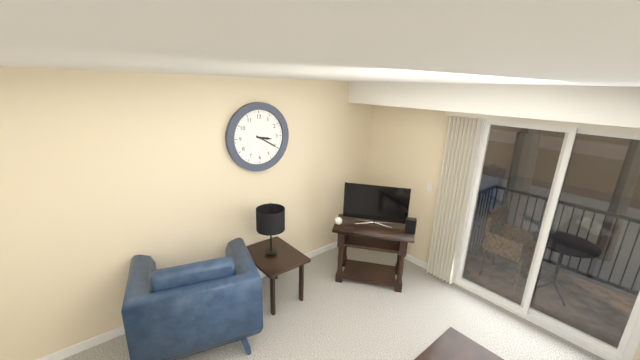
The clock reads 3.20
